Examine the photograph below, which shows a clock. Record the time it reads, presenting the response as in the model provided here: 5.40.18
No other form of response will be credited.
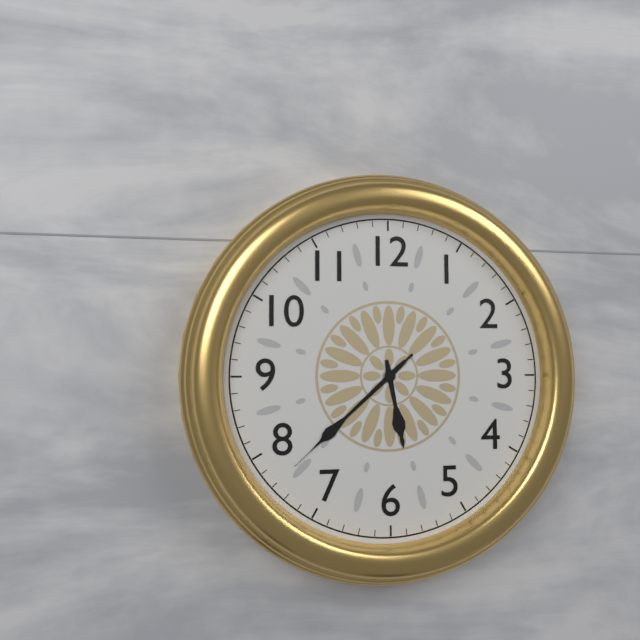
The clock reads 5.38.38
